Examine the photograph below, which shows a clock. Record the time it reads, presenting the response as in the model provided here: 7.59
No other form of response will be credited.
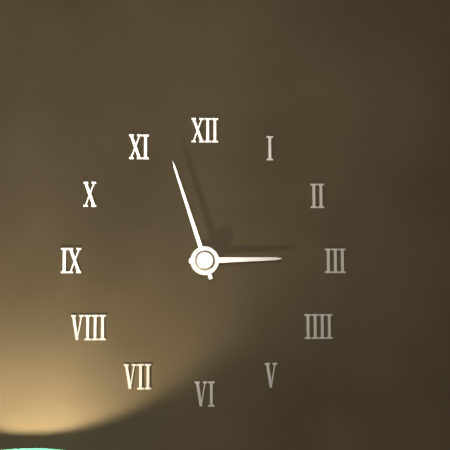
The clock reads 2.57
